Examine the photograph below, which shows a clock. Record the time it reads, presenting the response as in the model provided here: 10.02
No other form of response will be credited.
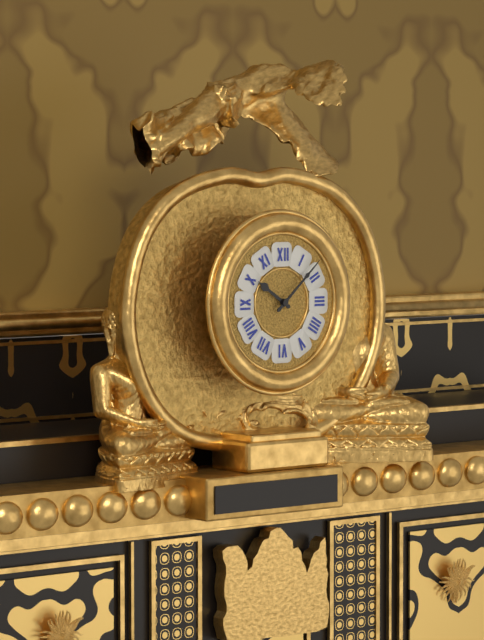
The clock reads 10.08
